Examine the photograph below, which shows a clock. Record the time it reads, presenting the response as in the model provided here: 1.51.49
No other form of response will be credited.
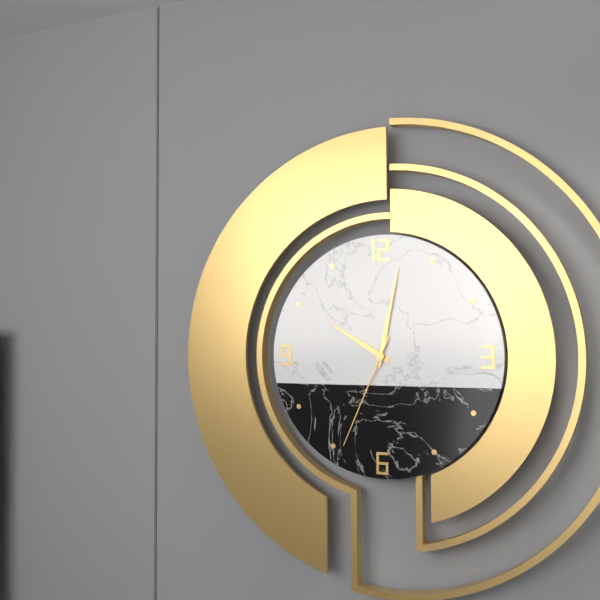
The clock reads 10.02.34
